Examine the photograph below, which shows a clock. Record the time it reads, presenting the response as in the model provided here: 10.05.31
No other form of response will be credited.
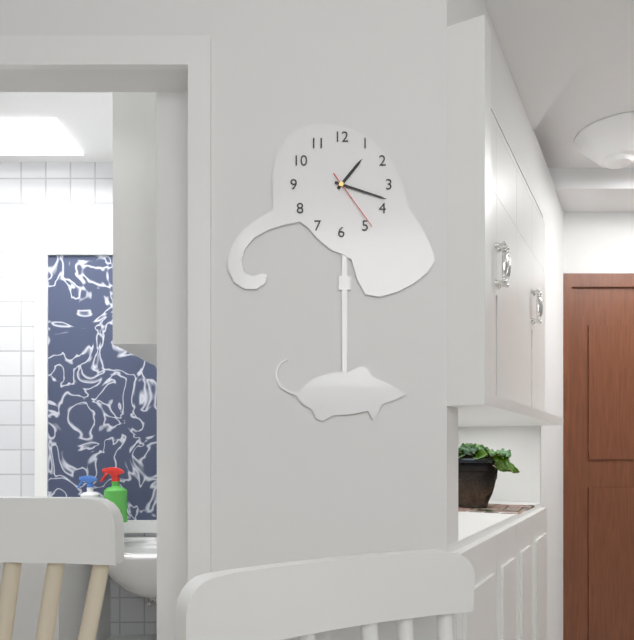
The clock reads 1.18.24
